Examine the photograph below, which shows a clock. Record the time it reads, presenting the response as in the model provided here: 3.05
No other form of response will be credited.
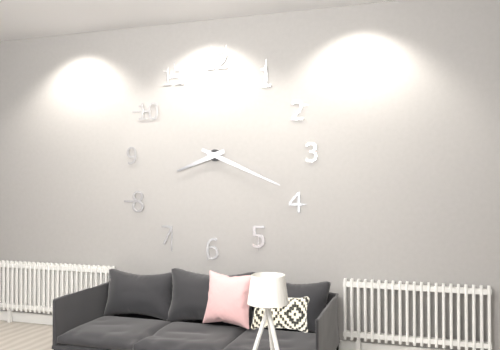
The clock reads 8.19
